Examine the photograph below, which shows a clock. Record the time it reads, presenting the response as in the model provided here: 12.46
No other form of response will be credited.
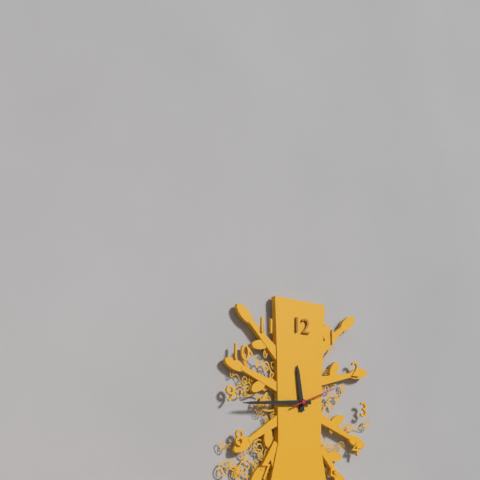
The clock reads 11.44
